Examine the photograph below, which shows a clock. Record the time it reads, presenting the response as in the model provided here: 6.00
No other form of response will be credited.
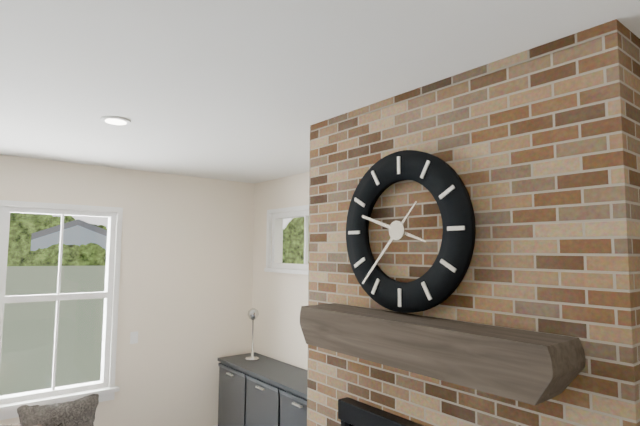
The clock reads 9.37
